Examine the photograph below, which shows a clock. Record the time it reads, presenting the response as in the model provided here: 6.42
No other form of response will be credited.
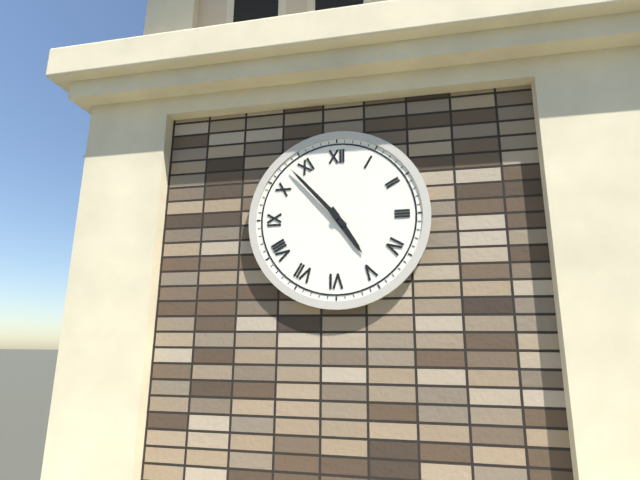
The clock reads 4.53
